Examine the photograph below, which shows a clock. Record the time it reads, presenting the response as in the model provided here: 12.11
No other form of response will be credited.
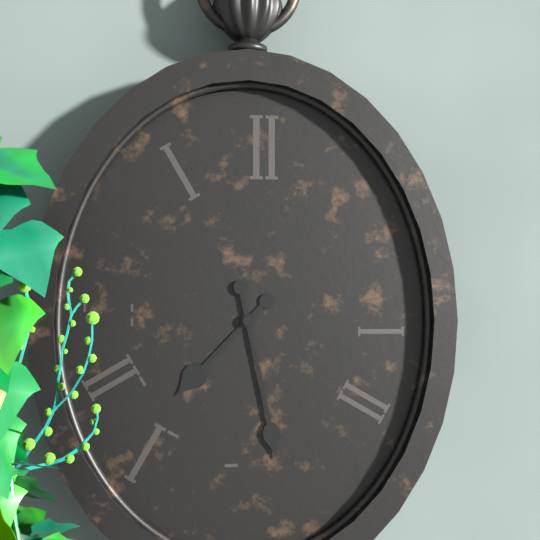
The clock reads 7.28
